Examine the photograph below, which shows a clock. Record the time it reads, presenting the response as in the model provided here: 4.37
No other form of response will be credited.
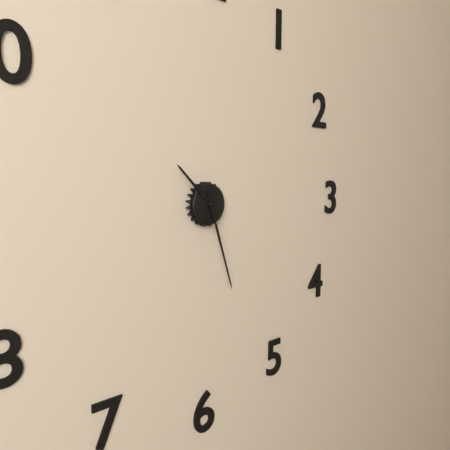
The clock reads 10.27
